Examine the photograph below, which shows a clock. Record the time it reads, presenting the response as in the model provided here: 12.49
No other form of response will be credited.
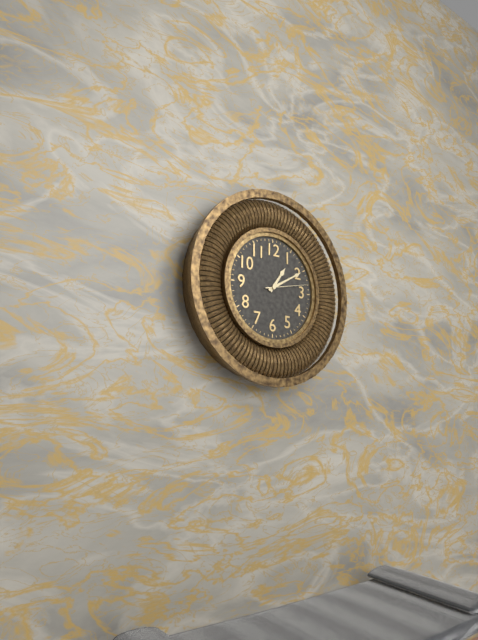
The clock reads 1.10
